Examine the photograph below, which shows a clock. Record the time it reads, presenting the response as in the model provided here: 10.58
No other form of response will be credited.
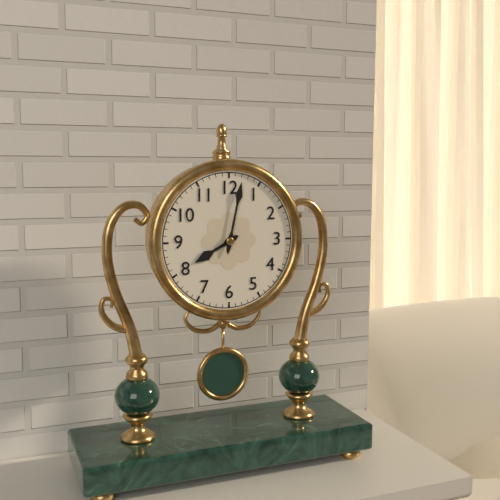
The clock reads 8.02
